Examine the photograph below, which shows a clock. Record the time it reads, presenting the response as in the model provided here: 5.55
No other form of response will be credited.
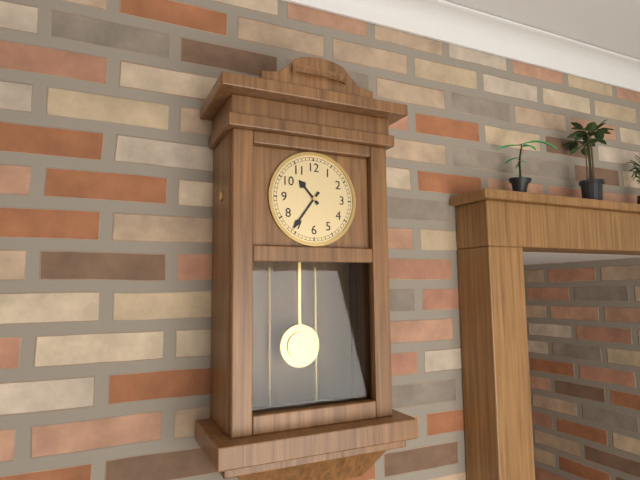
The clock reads 10.36
